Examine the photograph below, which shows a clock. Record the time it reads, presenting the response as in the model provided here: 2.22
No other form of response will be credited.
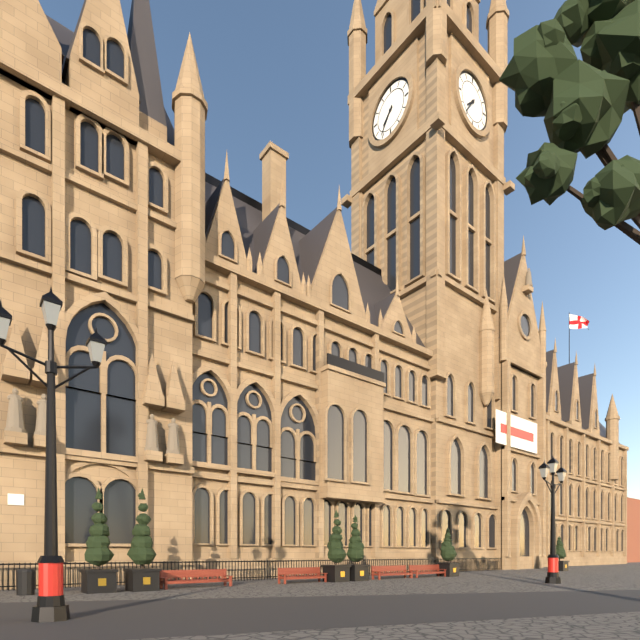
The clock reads 7.36
